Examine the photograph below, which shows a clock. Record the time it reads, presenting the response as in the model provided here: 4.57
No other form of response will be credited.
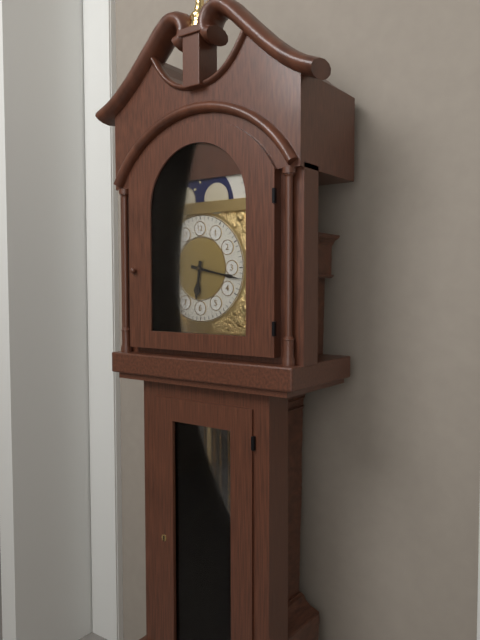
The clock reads 6.17
